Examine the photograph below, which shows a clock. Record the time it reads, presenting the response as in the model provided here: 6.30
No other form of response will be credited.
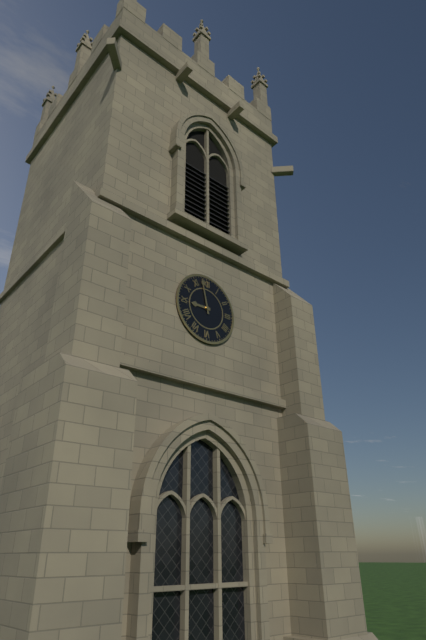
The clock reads 8.58
